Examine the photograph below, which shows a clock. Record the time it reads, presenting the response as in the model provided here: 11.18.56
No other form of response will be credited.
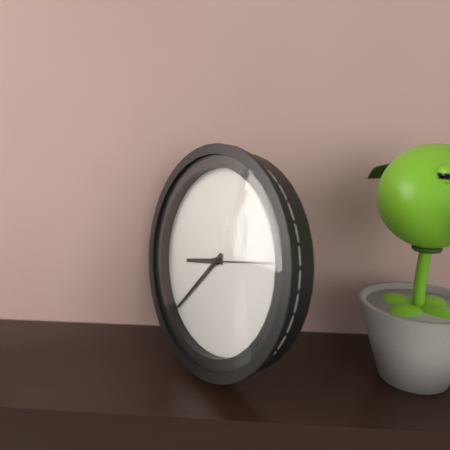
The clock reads 8.37.13
